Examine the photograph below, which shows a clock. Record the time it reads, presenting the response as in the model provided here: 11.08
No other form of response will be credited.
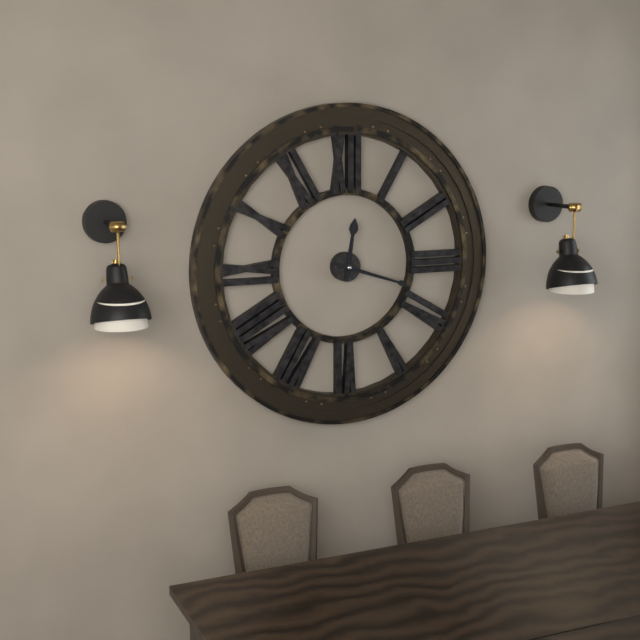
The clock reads 12.18
